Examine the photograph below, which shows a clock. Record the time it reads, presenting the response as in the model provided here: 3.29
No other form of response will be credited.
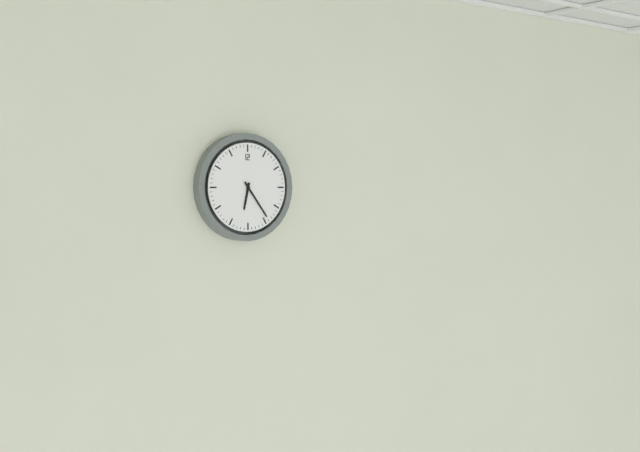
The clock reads 6.24
